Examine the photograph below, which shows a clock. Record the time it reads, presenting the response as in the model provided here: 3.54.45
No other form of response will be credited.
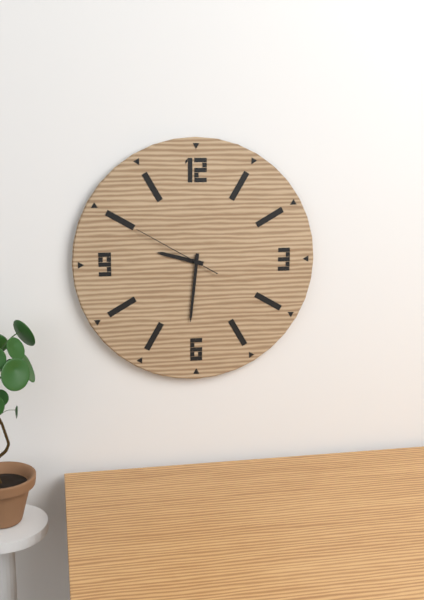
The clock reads 9.31.50
